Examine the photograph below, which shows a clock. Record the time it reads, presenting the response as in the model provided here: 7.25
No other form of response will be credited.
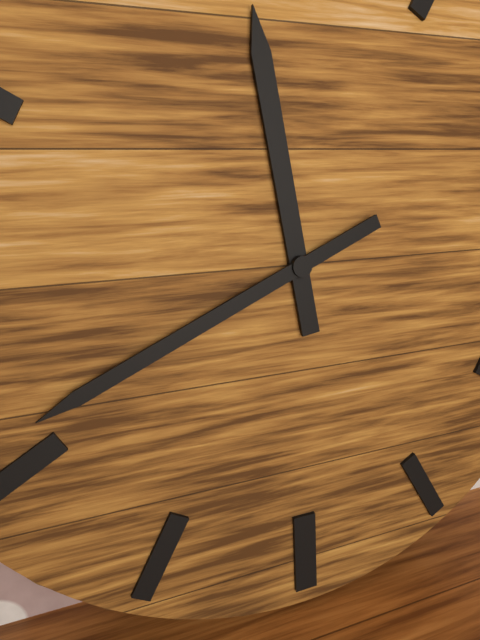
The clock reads 11.41
